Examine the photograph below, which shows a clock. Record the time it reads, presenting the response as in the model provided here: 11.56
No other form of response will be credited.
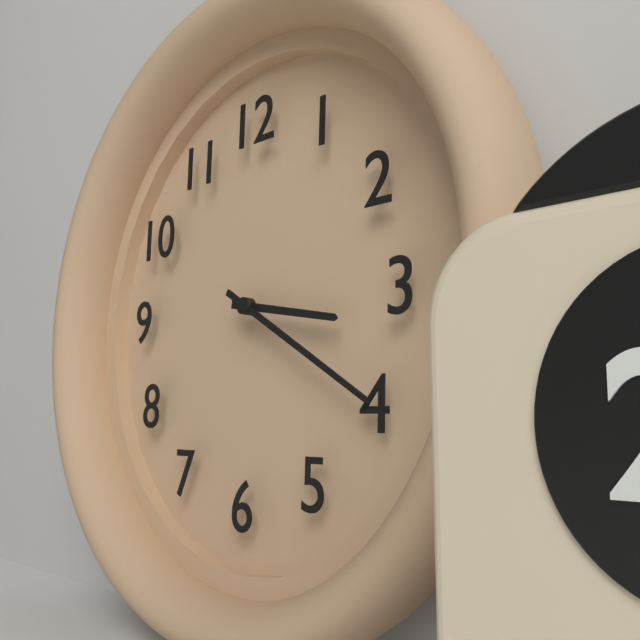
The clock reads 3.20
